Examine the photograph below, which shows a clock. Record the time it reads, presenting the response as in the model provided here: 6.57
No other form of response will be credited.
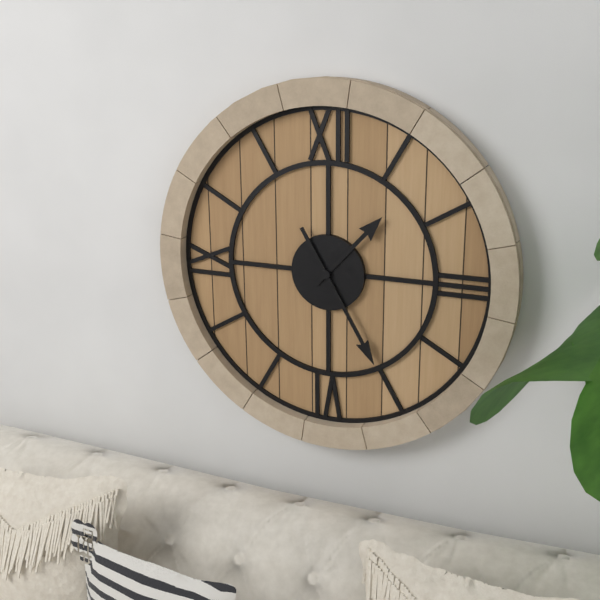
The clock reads 1.25
